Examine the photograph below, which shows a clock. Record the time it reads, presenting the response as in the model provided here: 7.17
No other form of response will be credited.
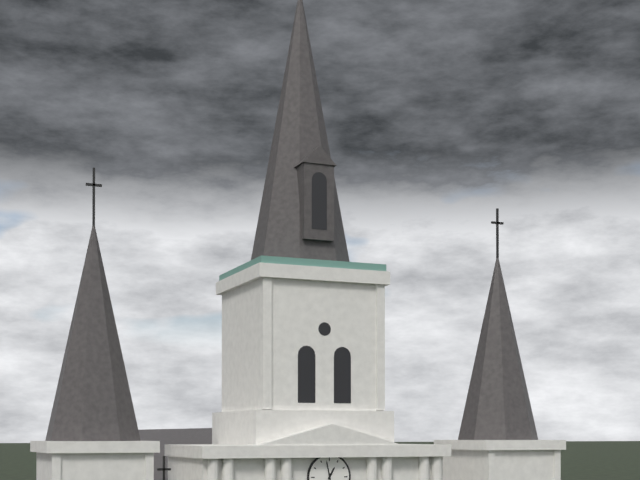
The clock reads 12.58
